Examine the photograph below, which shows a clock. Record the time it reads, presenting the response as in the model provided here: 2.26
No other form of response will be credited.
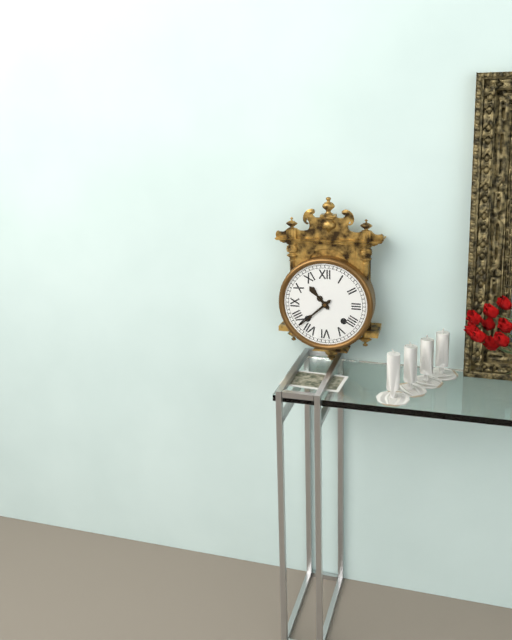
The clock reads 10.38
